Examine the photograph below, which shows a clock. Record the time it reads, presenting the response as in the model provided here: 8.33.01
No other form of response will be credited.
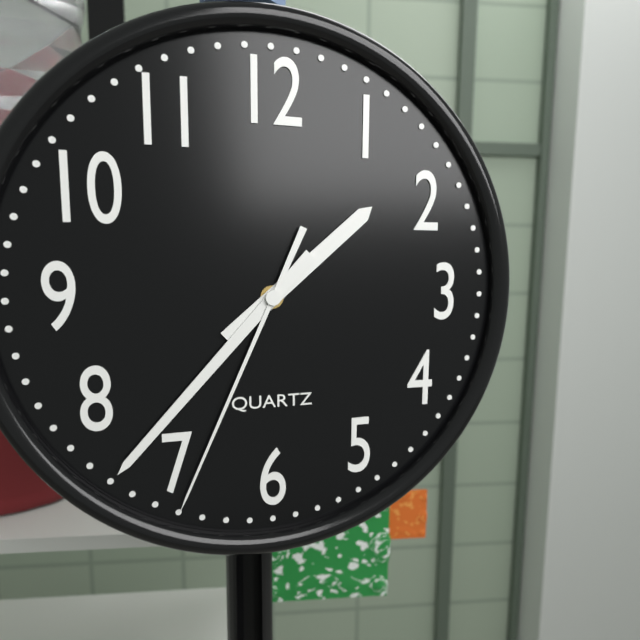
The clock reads 1.37.34
